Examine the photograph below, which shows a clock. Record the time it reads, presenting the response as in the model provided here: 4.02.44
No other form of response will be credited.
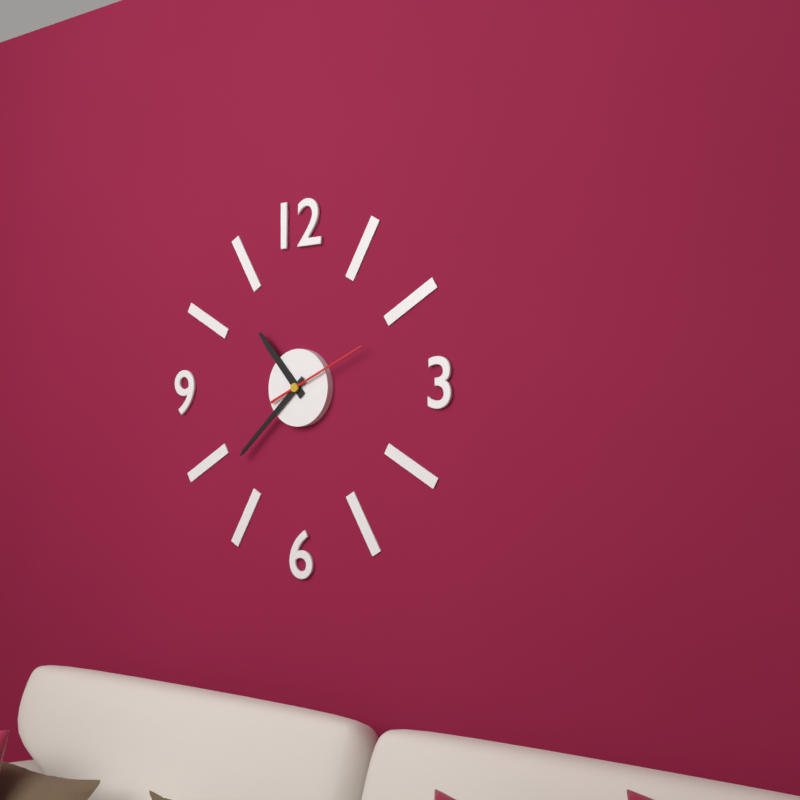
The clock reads 10.38.11
